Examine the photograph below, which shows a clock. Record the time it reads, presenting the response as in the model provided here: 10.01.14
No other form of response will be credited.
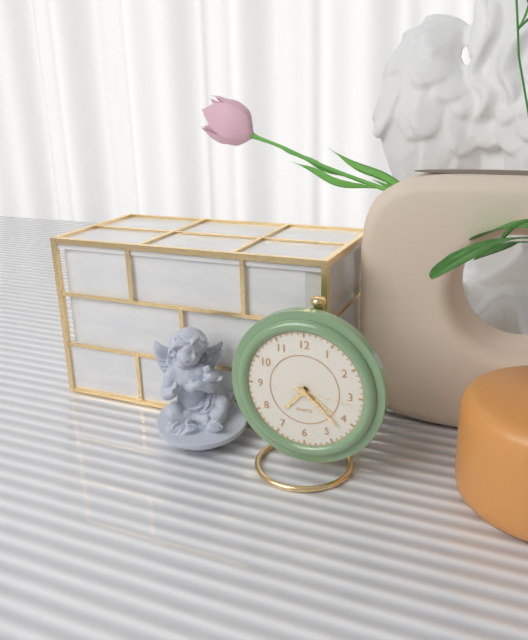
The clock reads 7.22.16
